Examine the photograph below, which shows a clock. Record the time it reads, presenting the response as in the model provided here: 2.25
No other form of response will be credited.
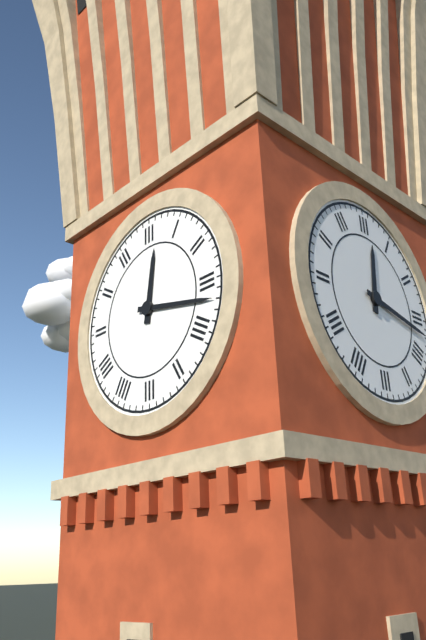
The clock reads 12.17
